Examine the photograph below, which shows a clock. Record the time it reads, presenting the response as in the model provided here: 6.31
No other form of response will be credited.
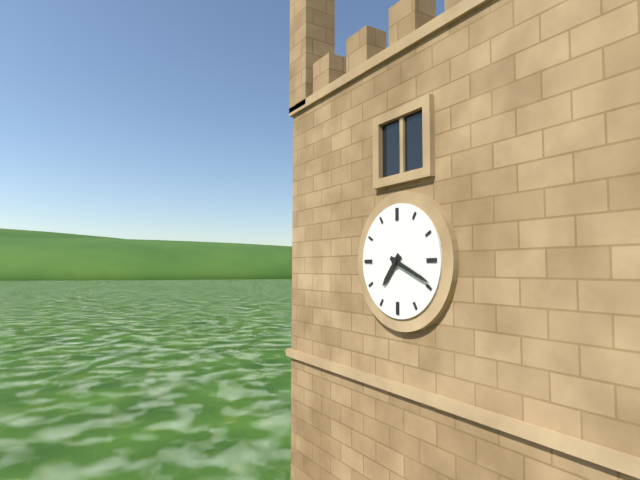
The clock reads 7.19
